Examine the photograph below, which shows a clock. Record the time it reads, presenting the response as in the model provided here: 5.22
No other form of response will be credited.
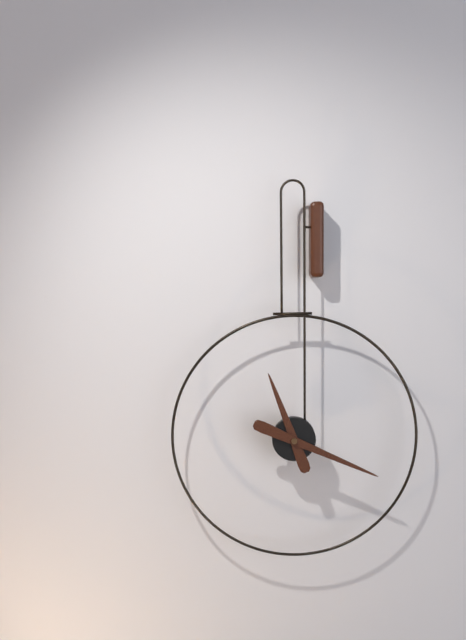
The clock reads 11.19
